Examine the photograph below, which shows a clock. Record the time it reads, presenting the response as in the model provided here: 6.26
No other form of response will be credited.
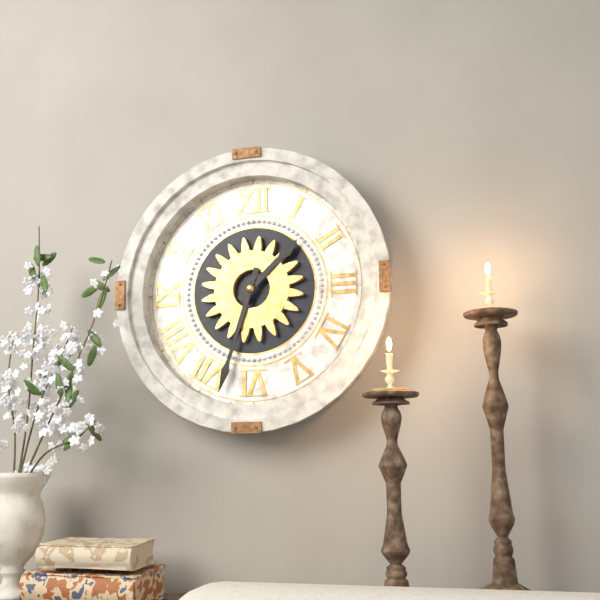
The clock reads 1.33
